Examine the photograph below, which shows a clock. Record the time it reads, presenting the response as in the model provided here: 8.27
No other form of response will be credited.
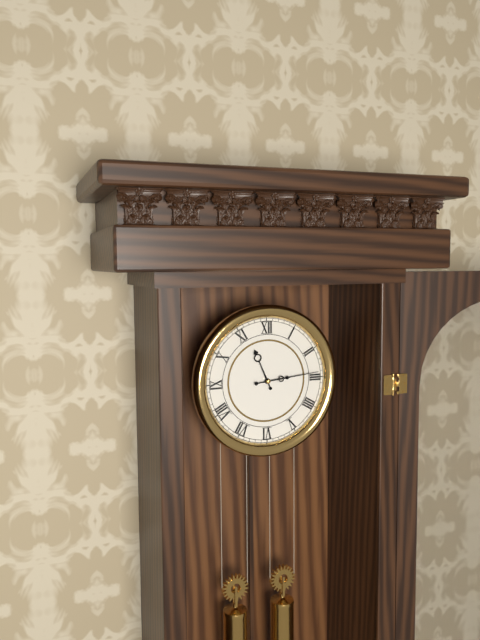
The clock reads 11.14
